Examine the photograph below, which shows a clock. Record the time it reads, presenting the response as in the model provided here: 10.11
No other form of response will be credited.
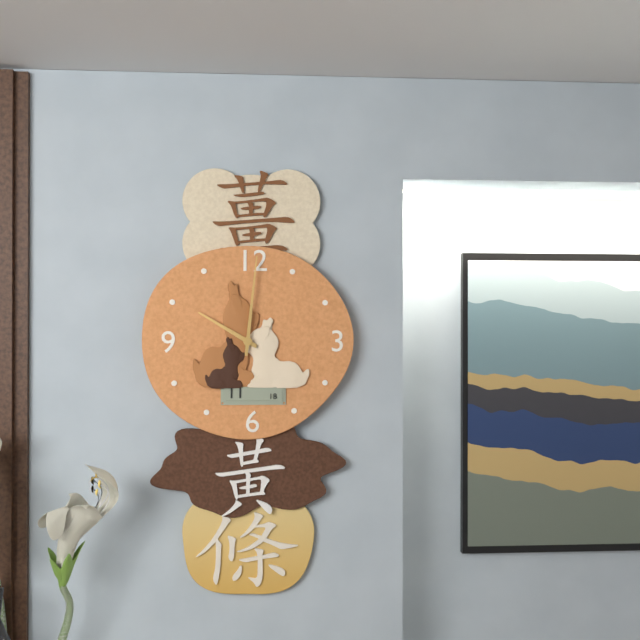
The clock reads 10.01
